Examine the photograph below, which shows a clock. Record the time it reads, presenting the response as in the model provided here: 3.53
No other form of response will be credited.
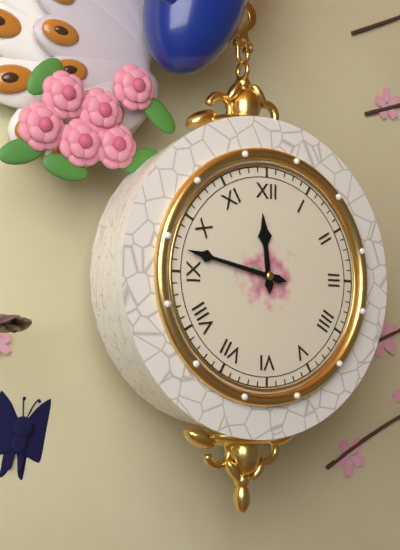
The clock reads 11.47
